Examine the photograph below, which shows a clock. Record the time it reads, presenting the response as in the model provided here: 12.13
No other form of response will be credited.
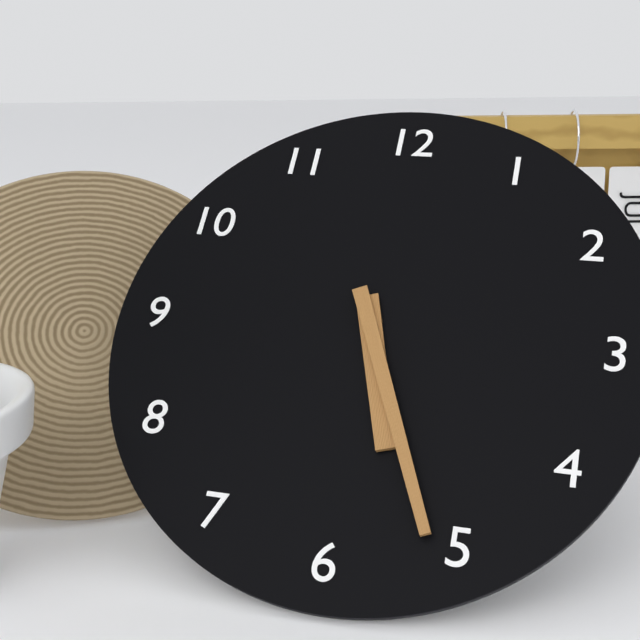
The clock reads 5.26
